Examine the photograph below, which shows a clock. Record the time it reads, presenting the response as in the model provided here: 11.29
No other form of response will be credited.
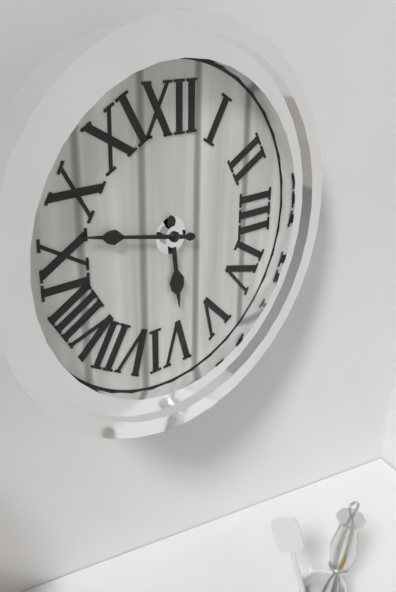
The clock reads 5.47
